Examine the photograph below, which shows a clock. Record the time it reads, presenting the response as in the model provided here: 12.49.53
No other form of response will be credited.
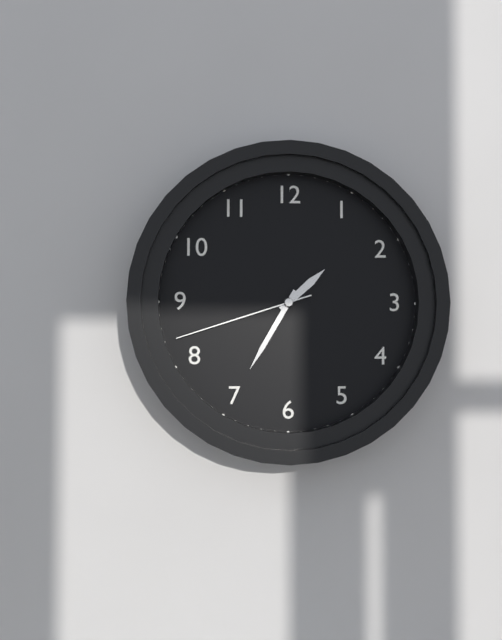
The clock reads 1.35.42
